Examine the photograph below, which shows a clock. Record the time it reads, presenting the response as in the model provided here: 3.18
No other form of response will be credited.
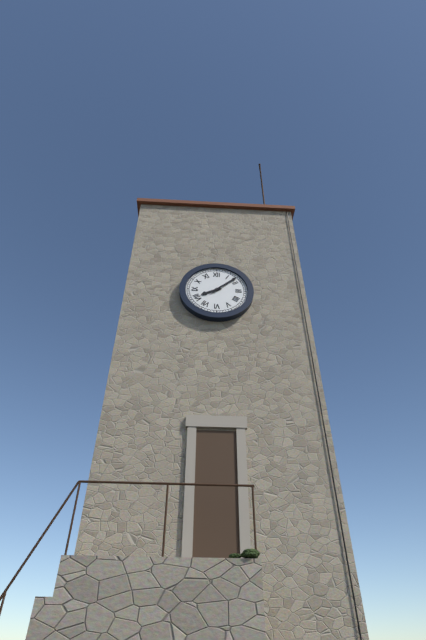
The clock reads 8.08
